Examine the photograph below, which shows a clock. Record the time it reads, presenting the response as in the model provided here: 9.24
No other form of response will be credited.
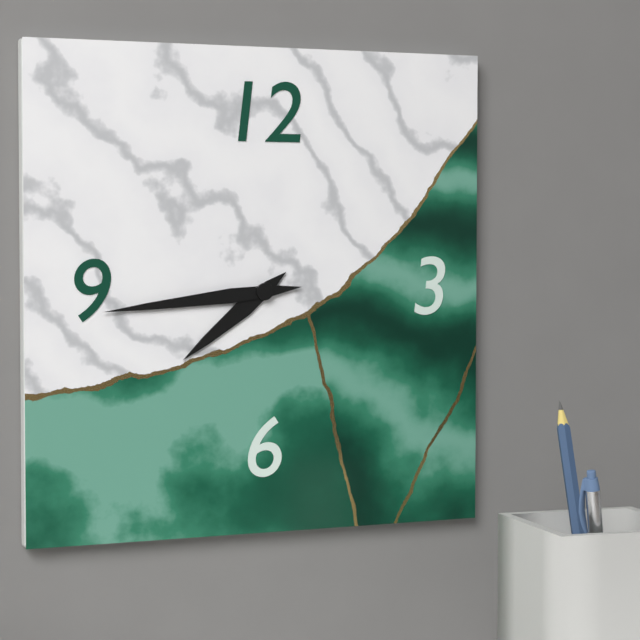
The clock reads 7.44
